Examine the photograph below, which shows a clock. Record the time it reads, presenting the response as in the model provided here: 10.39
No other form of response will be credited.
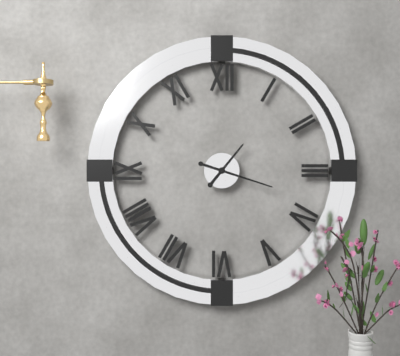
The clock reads 1.18
